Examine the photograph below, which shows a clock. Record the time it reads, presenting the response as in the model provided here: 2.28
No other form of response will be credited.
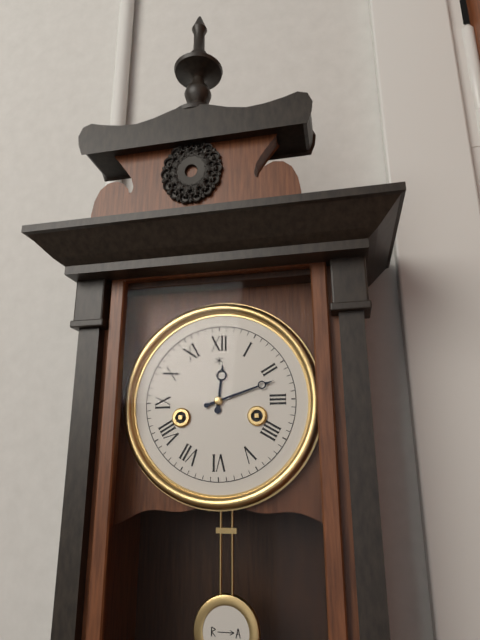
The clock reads 12.12
